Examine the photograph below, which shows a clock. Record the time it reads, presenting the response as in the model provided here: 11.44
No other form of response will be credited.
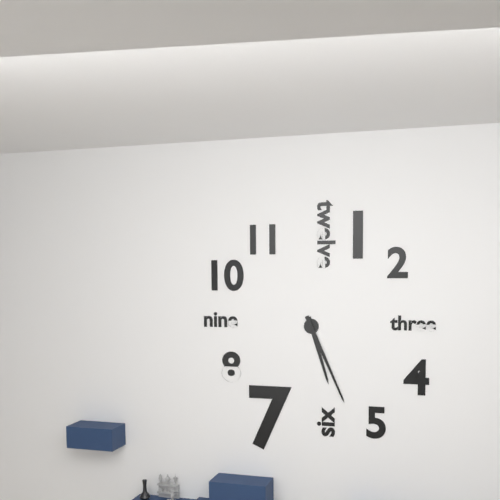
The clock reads 5.26
